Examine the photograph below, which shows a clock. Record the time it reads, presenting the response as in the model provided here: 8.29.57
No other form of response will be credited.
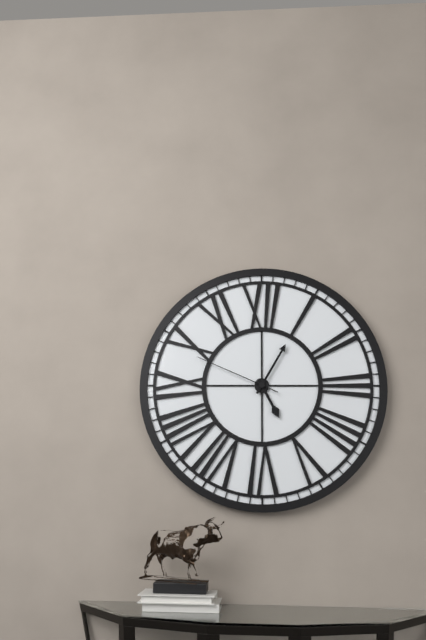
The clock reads 5.05.49
